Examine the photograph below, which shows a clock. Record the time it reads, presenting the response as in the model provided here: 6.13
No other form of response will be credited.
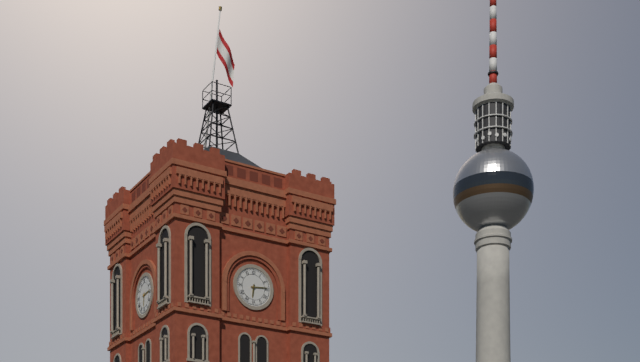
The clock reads 6.14
